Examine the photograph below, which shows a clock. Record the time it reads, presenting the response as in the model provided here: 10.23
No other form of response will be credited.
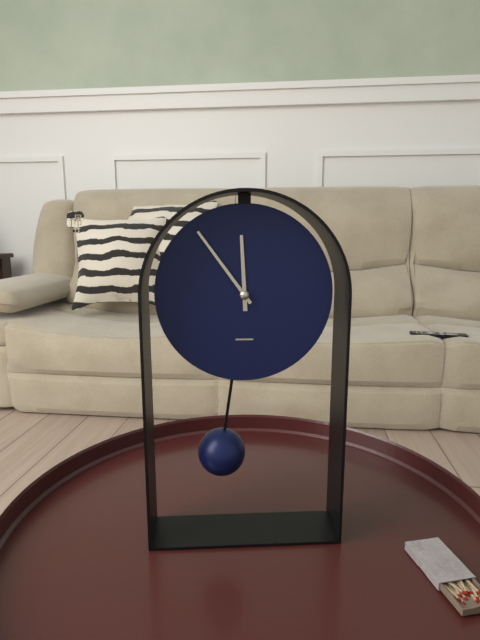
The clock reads 11.54
